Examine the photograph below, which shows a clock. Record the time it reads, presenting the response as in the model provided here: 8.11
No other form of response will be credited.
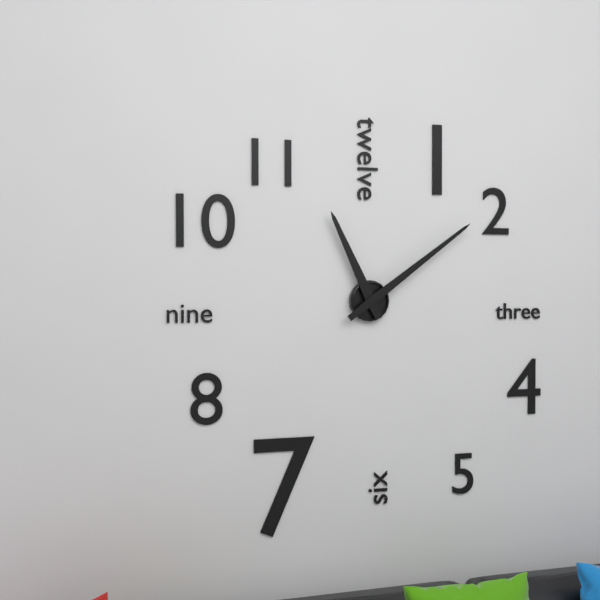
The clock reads 11.09
